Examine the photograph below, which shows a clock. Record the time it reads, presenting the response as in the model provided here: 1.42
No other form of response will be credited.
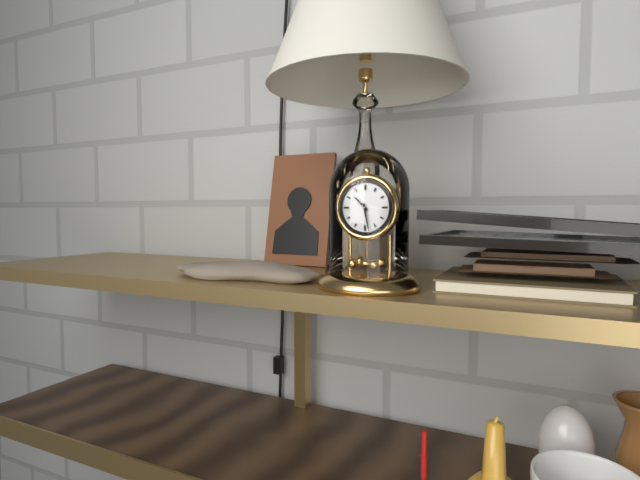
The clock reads 10.28
